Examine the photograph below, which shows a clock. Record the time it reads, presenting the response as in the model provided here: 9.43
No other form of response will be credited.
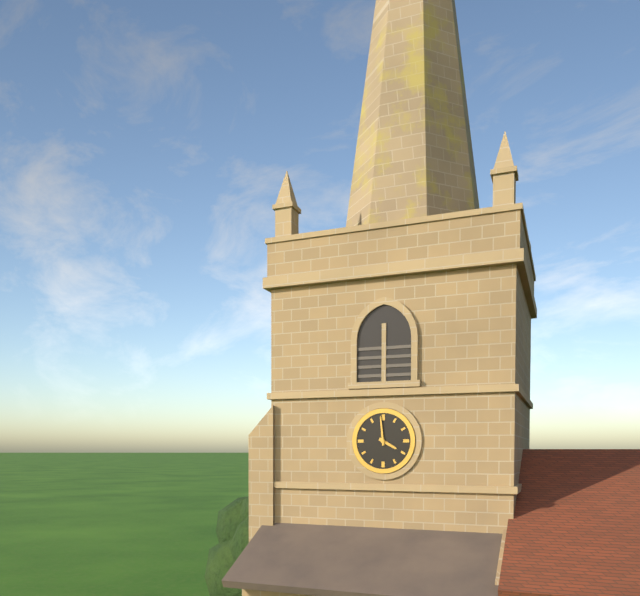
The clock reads 3.59
